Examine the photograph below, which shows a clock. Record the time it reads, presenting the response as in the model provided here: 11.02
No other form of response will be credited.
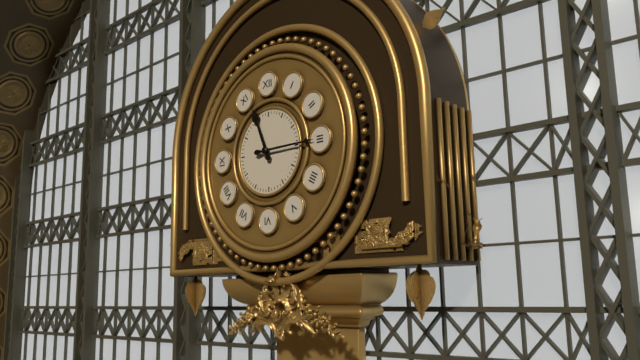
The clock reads 11.15
